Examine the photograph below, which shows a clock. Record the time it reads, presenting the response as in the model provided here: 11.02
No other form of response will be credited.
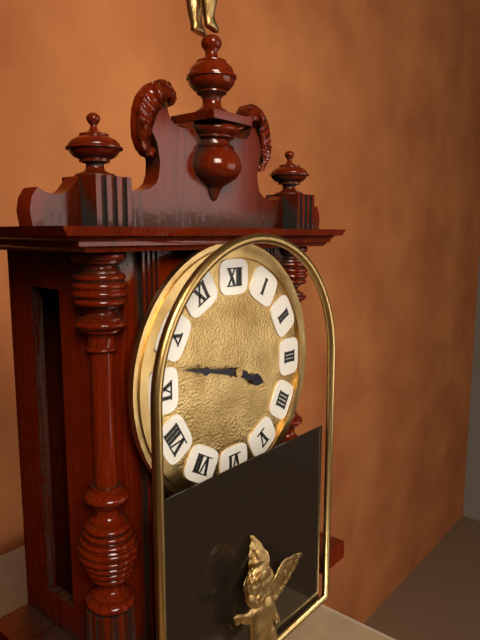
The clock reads 3.47
